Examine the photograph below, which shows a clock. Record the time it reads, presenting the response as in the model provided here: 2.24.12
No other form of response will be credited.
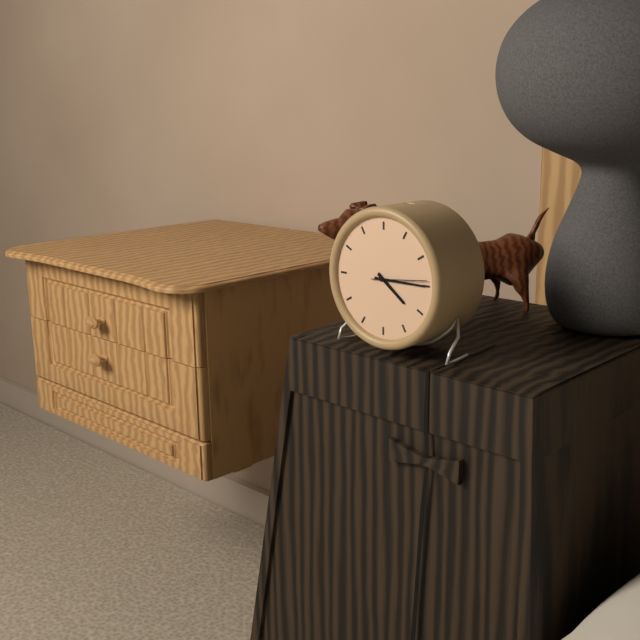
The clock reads 4.15.14
